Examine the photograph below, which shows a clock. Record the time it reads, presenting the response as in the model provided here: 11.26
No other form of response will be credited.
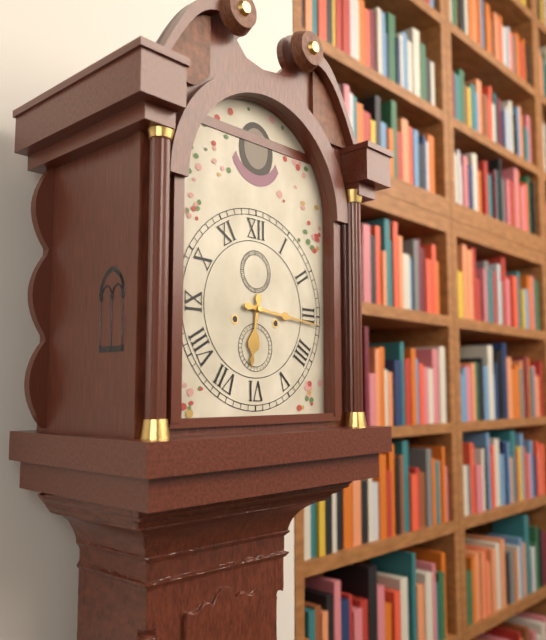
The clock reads 6.16
